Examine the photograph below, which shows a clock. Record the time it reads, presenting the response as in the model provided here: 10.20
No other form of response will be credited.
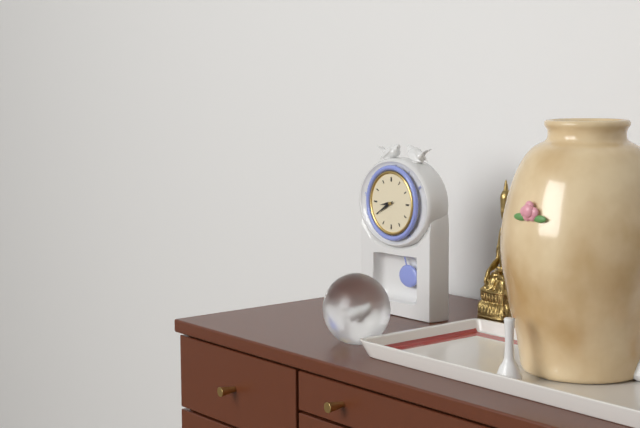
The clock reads 8.40
